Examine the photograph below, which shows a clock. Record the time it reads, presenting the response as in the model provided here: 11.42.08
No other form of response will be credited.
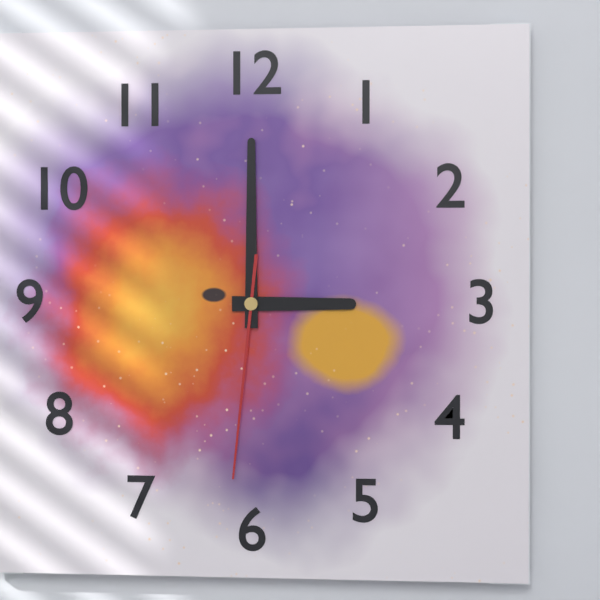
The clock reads 3.00.31
